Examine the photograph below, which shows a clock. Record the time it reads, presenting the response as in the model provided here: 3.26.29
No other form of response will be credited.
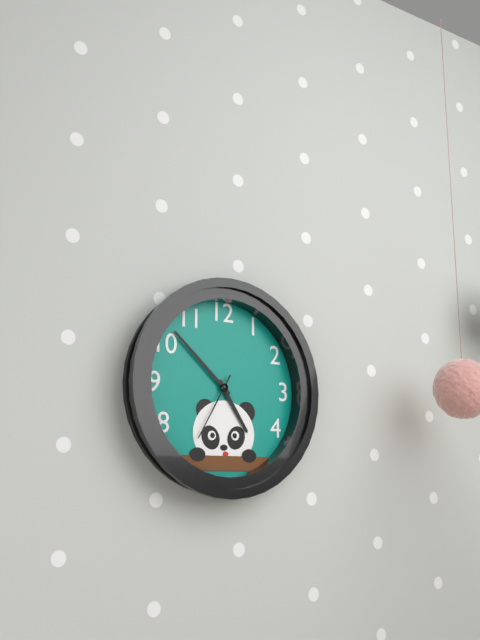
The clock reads 4.52.35
